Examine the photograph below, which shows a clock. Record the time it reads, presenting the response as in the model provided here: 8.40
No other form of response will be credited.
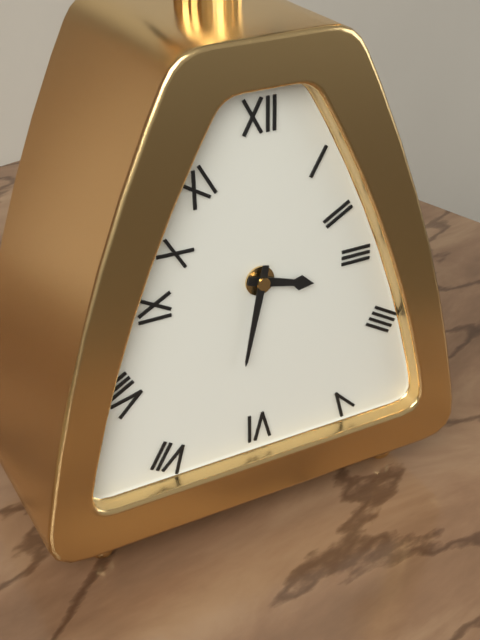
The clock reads 3.32
